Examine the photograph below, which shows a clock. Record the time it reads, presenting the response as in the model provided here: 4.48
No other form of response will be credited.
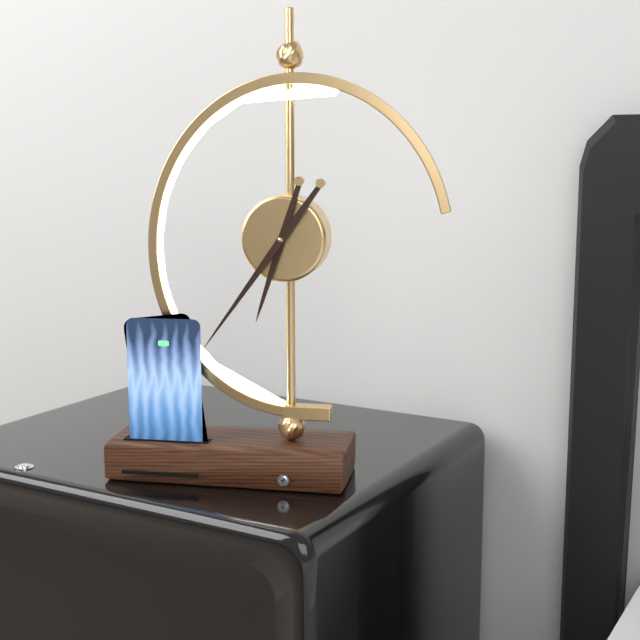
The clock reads 6.36
